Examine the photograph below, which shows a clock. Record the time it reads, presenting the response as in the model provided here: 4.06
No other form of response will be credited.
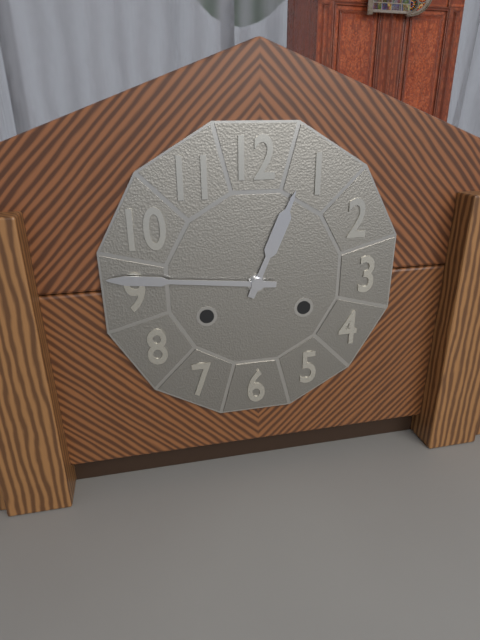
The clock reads 12.46
